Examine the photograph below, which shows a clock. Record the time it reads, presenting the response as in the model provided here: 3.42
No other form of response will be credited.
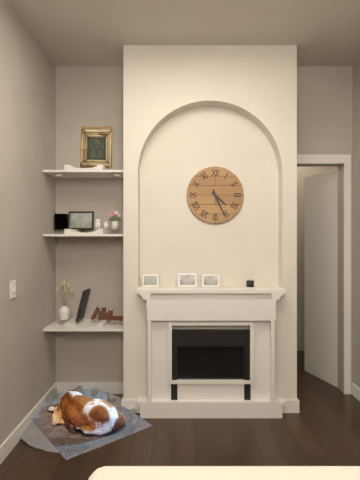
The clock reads 4.26
